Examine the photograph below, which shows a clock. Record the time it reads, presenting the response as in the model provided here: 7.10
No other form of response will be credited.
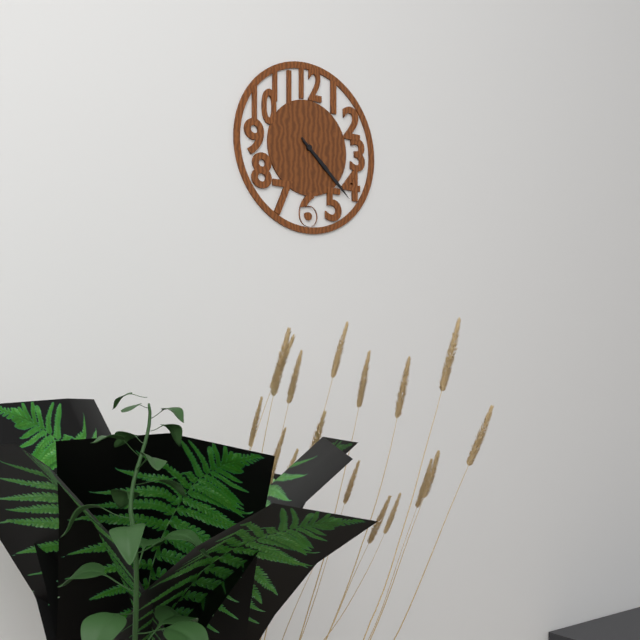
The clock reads 4.22
